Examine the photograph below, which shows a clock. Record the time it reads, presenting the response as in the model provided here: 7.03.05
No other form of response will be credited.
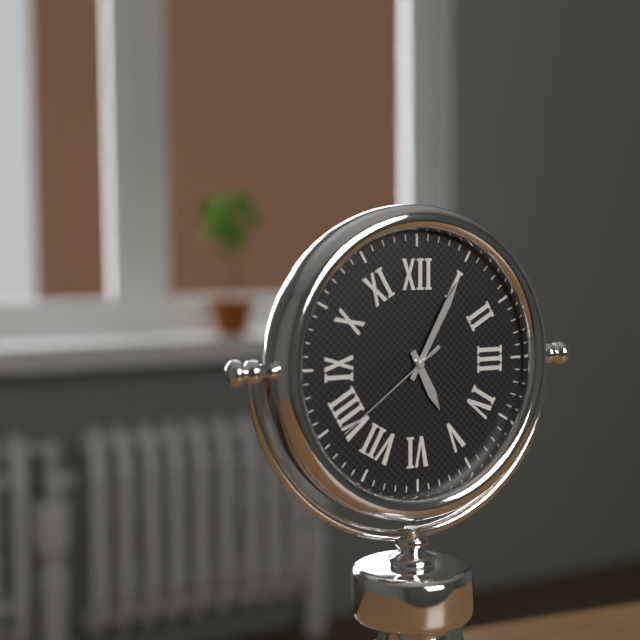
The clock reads 5.05.39
